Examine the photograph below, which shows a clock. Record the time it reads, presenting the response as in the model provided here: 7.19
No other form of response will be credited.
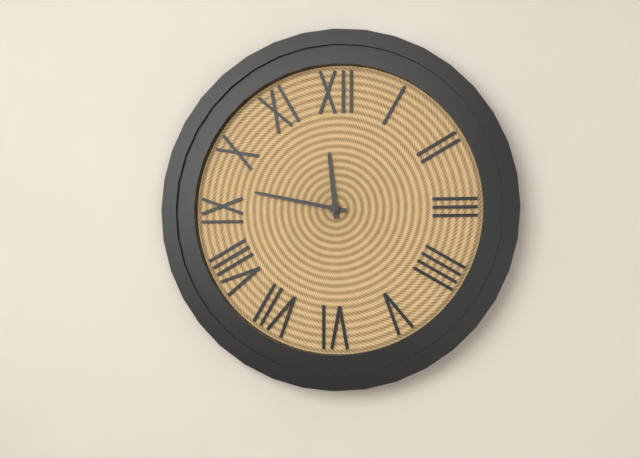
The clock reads 11.47
